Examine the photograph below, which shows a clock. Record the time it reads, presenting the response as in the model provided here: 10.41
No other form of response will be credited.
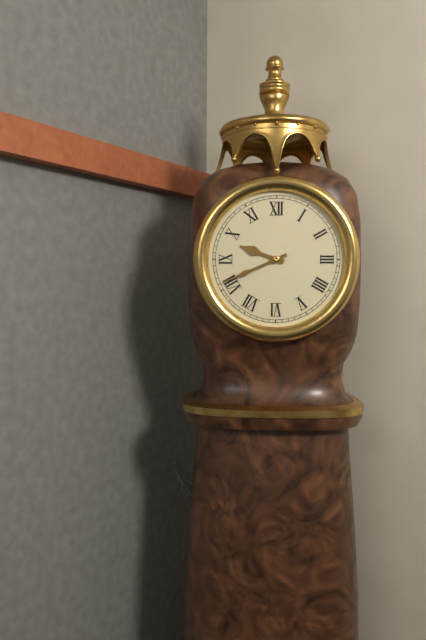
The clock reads 9.41
